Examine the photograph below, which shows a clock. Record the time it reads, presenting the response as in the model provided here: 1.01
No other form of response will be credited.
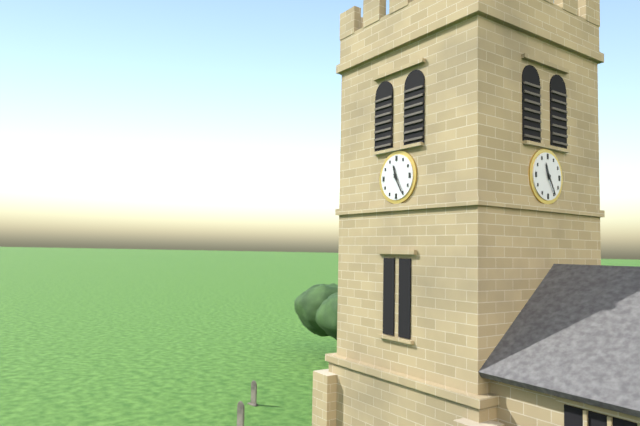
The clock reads 11.25
